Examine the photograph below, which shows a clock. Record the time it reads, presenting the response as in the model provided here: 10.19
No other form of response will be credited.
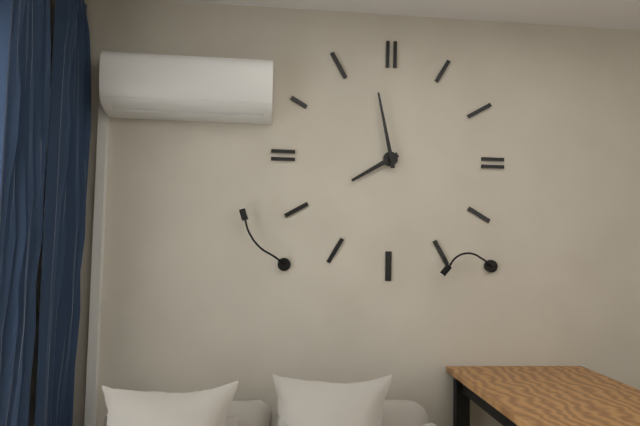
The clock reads 7.58
